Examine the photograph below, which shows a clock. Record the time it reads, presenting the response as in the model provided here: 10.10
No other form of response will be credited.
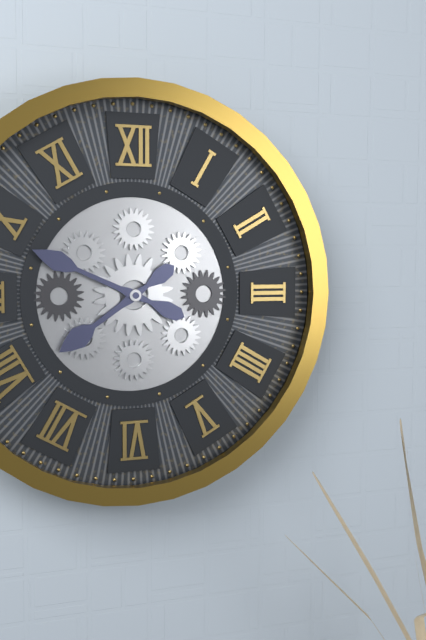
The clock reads 7.49
